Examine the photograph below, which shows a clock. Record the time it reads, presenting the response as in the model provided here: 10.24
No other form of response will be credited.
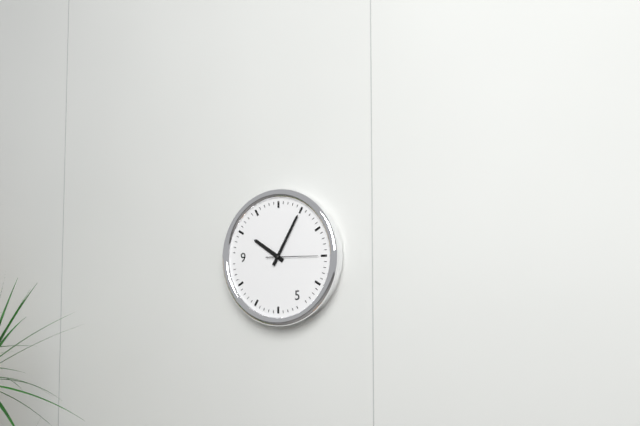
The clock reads 10.05
